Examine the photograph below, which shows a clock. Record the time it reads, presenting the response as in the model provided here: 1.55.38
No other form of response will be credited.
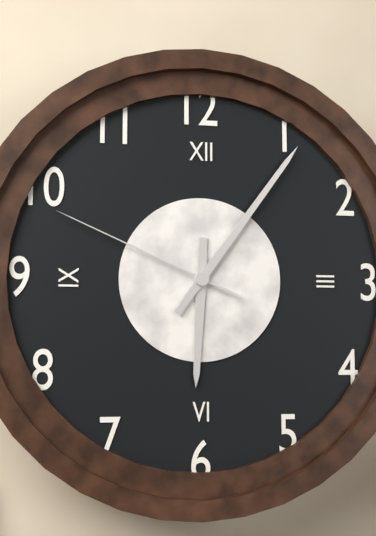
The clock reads 6.06.49
